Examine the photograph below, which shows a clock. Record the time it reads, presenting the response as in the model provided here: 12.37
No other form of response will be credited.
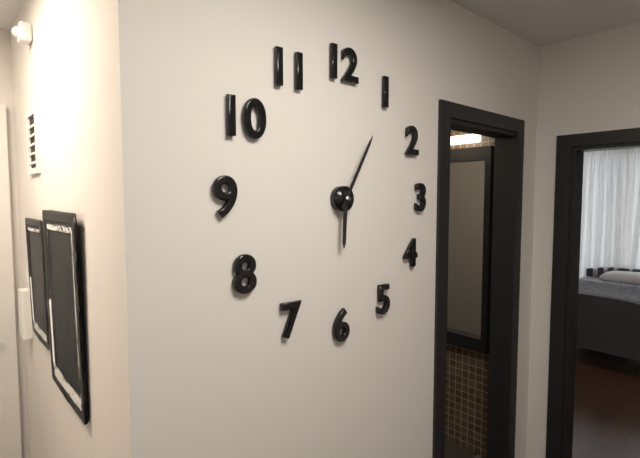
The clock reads 6.05
